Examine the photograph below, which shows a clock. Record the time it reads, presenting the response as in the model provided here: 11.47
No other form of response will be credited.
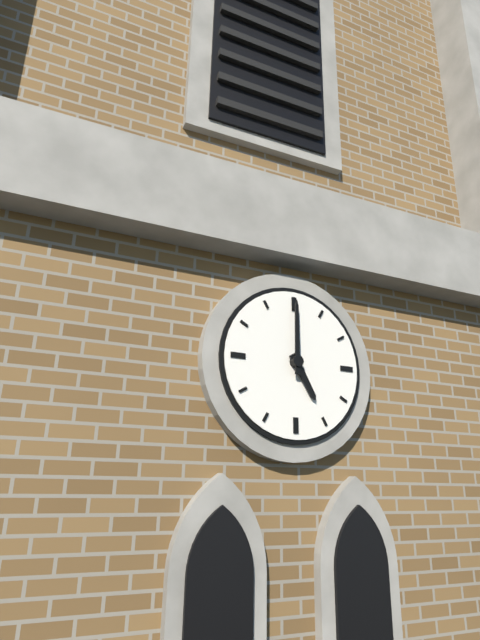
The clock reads 5.00
